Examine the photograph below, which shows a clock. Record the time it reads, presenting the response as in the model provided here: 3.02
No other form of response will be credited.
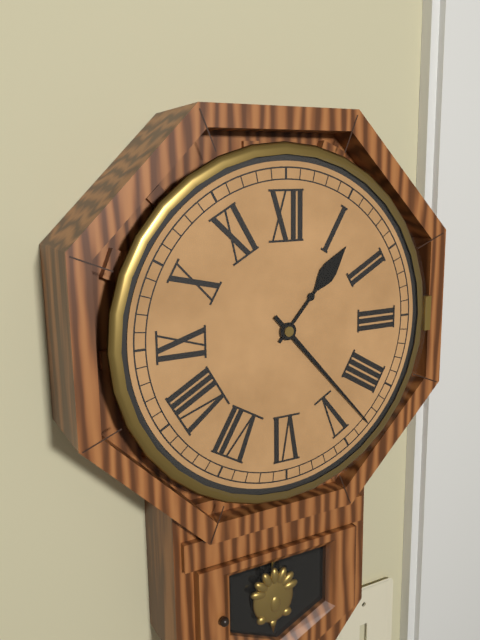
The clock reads 1.23
